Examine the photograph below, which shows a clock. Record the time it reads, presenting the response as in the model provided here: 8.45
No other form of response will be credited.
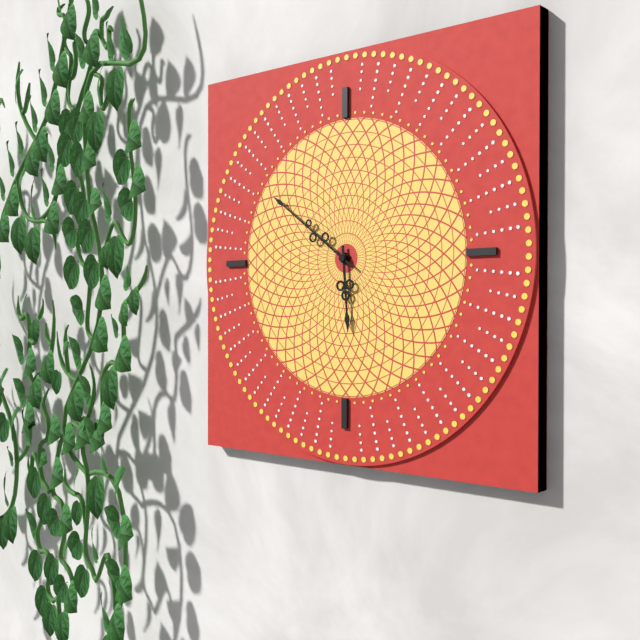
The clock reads 5.51
